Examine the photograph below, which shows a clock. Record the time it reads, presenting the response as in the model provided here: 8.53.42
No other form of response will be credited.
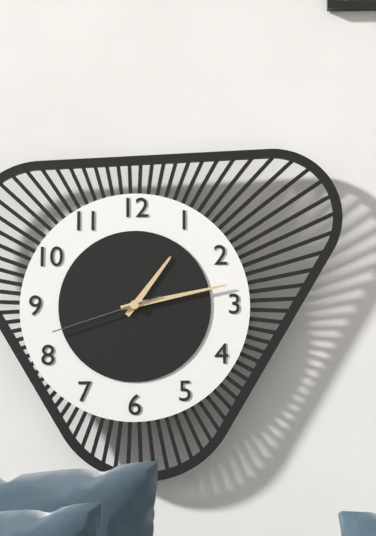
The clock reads 1.13.42
